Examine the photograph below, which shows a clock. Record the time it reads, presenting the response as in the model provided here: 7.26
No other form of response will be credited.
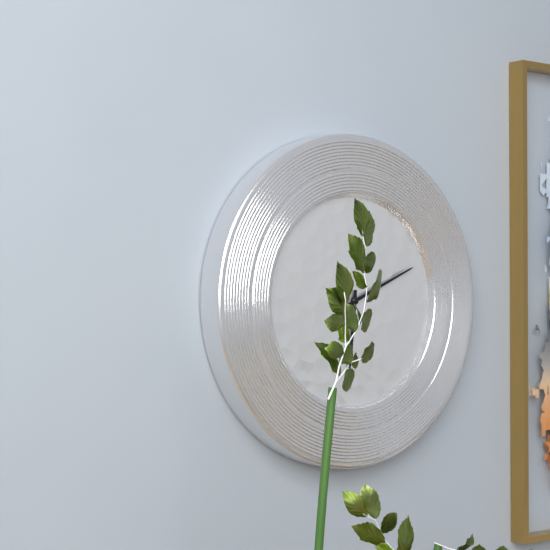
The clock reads 6.11
